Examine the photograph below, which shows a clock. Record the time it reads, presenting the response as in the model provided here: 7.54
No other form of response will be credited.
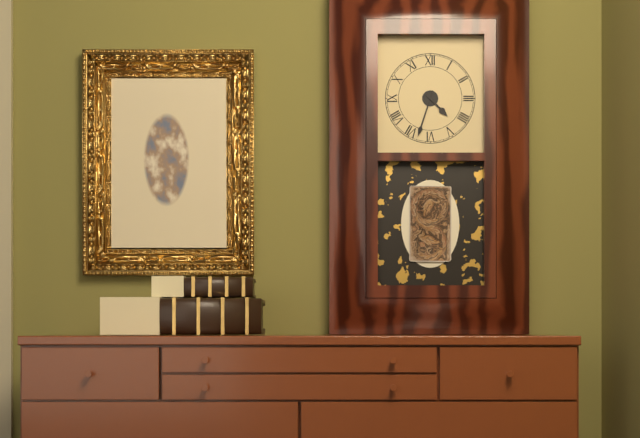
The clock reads 4.33
